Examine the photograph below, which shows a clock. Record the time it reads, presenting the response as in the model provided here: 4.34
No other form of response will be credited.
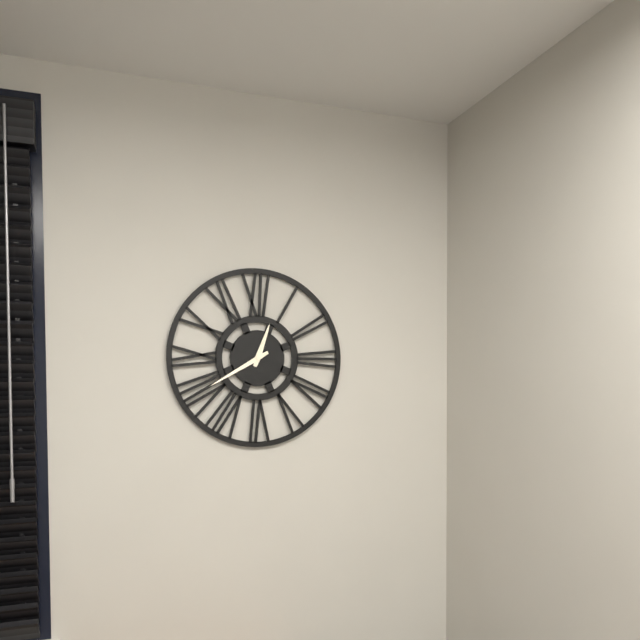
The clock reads 12.40
